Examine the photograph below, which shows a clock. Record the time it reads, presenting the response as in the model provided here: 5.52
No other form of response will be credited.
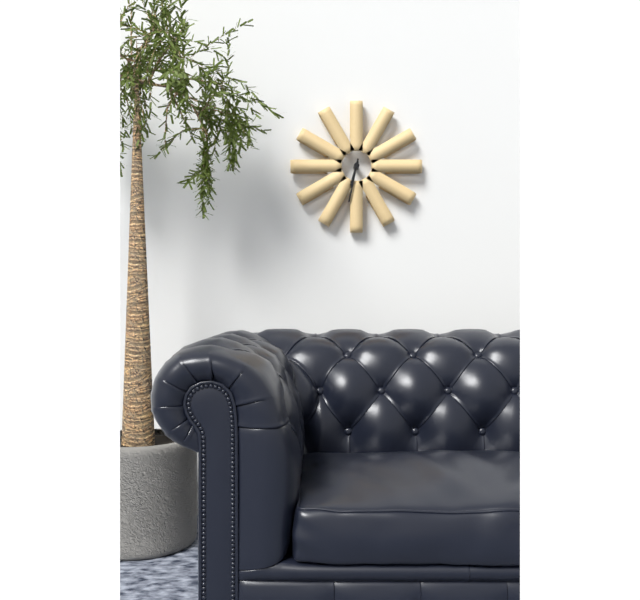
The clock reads 6.32
